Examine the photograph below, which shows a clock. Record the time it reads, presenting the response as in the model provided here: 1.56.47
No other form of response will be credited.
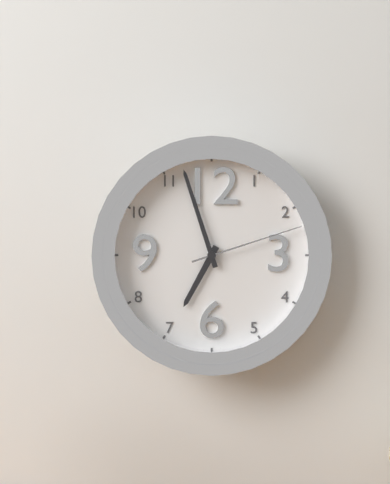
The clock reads 6.57.12
